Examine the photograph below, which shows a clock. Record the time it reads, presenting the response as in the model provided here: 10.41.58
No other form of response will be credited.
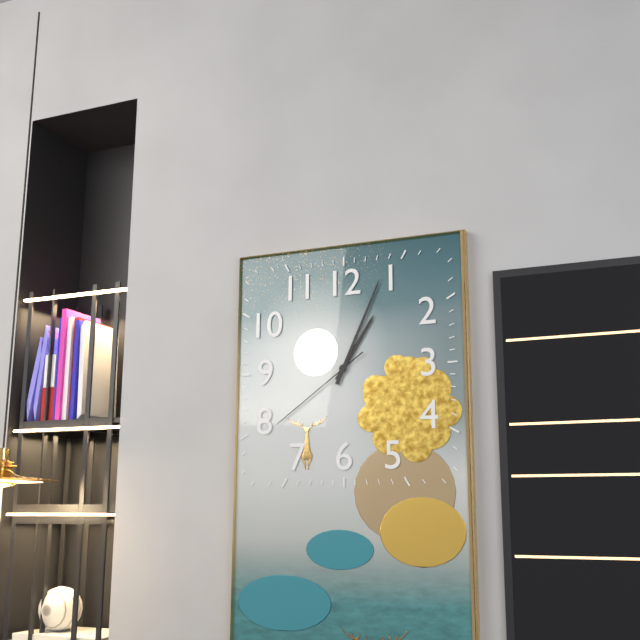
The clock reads 1.04.39
